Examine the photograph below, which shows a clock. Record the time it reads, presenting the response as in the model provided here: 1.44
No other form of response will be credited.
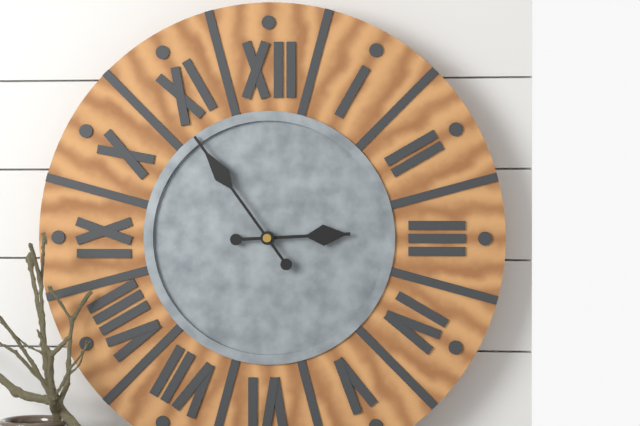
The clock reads 2.54
